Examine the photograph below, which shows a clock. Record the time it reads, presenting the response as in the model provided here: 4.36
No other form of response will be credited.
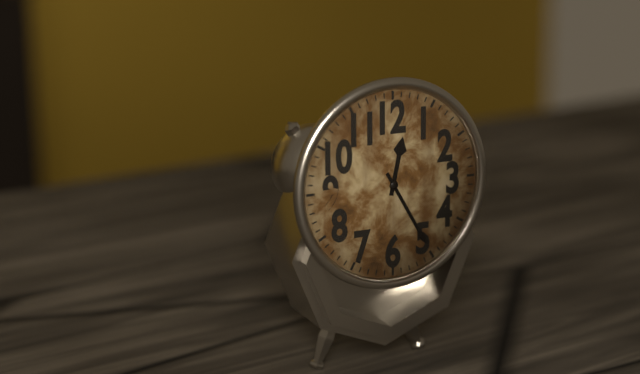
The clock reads 12.25
